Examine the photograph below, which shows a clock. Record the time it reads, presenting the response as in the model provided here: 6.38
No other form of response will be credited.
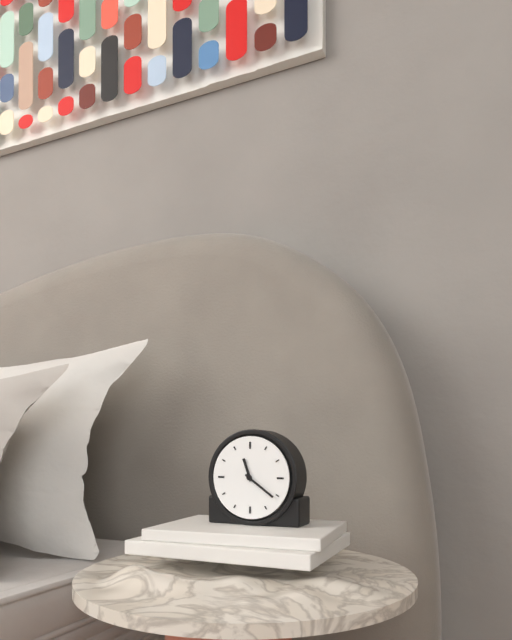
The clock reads 11.21
